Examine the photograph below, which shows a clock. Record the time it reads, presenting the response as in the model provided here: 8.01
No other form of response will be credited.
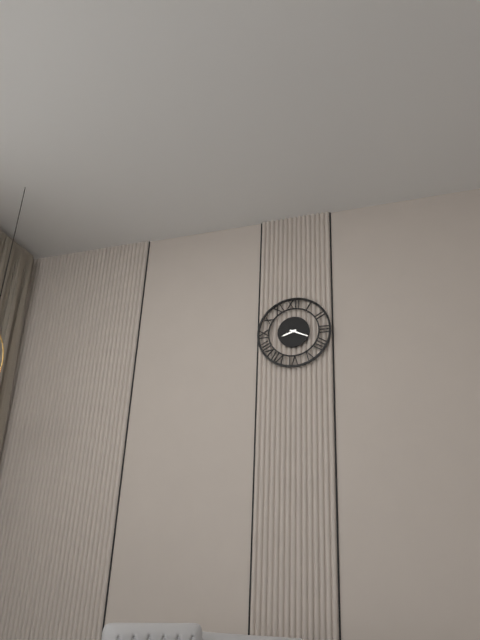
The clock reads 8.19
